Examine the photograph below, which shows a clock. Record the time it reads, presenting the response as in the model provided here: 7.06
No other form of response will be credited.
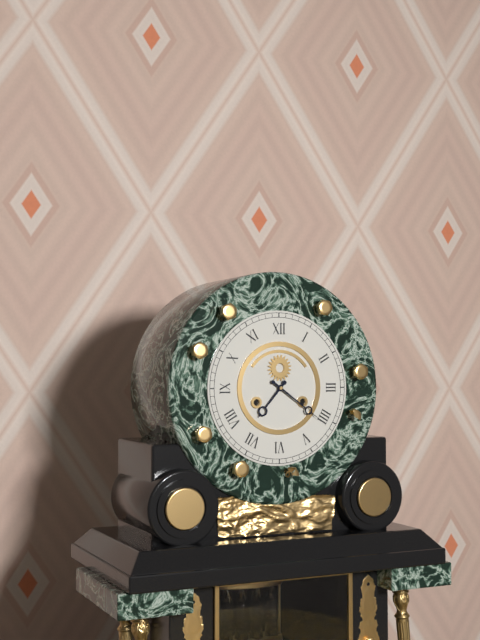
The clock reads 7.21
